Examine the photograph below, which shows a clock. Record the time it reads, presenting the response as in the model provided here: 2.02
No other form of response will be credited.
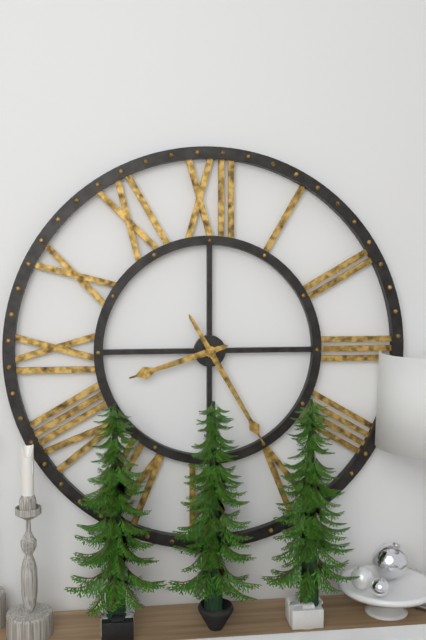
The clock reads 8.25
